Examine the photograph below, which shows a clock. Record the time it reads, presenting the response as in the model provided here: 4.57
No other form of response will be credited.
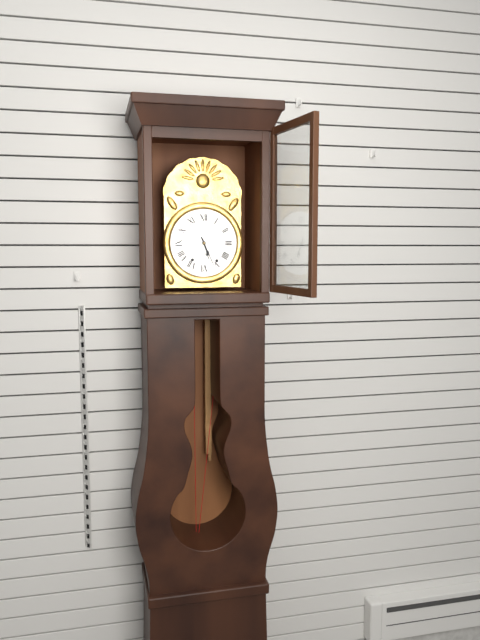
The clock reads 5.26
